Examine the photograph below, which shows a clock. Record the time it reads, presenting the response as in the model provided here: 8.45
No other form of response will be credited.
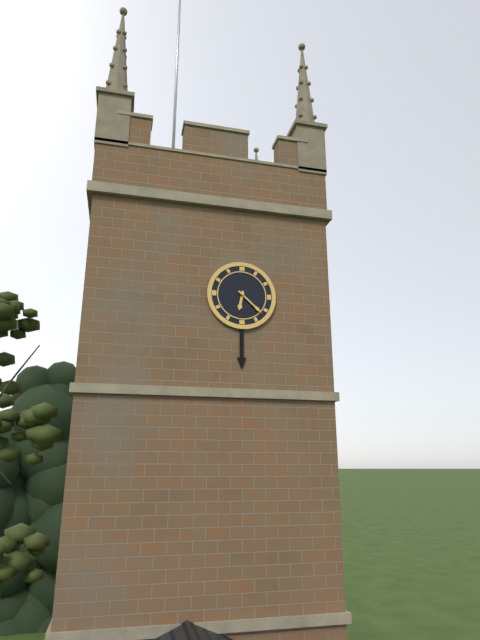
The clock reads 6.22
